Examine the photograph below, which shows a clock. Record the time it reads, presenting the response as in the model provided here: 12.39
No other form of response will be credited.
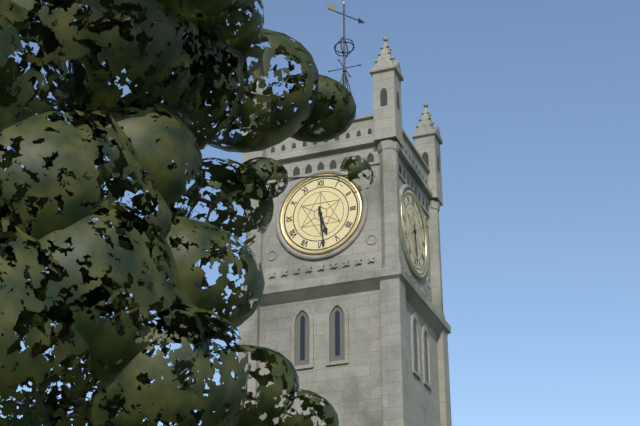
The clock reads 5.29
